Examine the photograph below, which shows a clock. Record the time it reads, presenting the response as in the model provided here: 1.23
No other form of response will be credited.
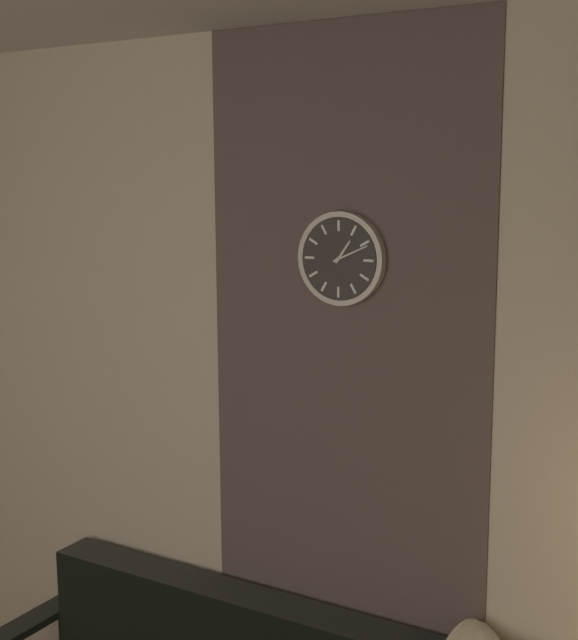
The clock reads 1.11
